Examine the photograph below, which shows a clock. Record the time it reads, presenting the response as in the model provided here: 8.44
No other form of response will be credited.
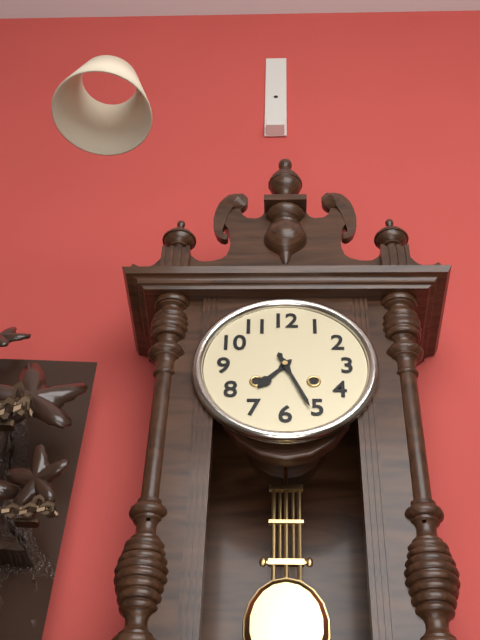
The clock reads 7.26
